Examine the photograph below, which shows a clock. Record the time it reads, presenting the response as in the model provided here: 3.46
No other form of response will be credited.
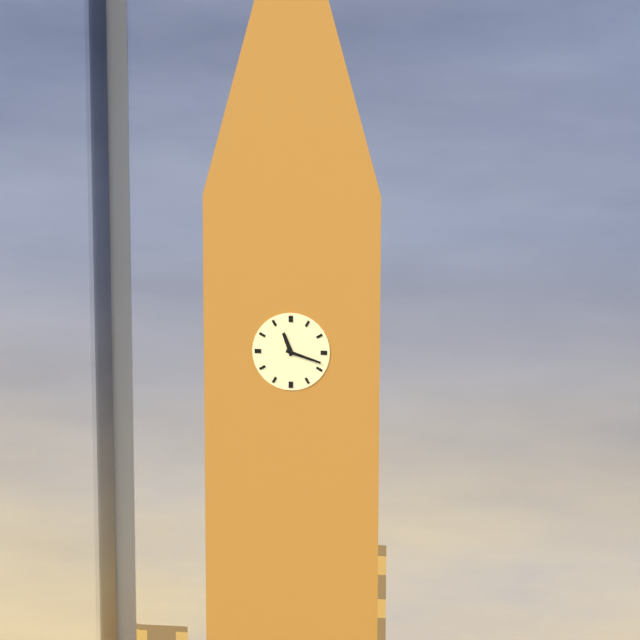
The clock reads 11.18
